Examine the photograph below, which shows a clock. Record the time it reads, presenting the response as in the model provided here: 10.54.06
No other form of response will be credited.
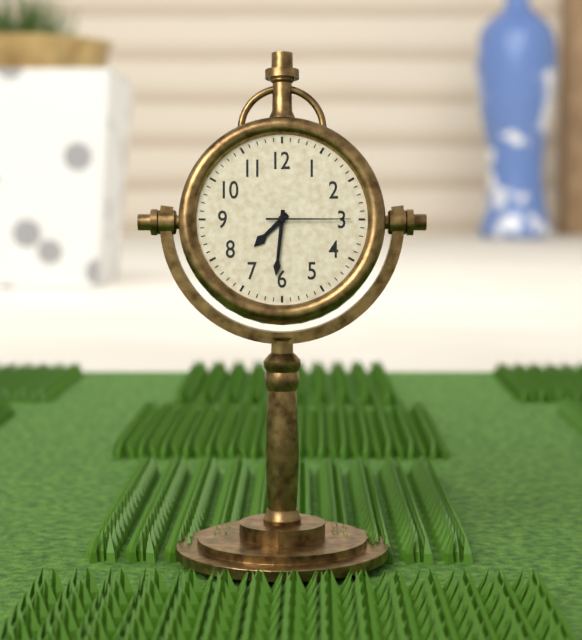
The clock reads 7.31.15
